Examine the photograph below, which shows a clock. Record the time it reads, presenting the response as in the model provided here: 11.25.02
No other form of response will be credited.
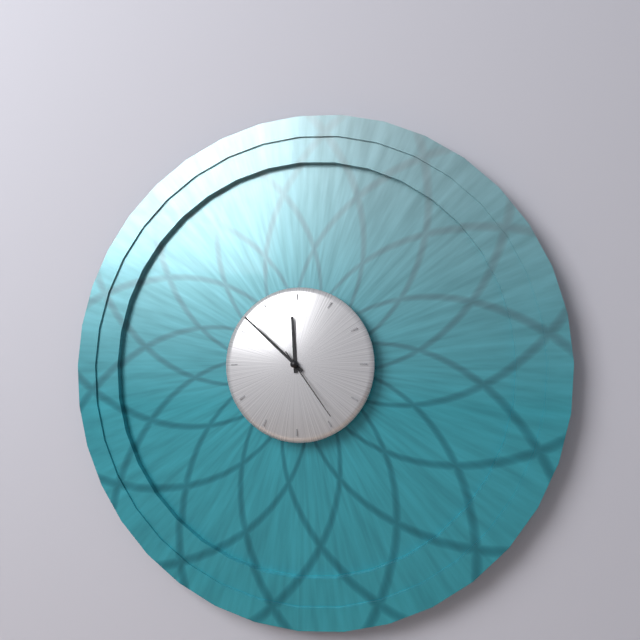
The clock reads 11.52.24
